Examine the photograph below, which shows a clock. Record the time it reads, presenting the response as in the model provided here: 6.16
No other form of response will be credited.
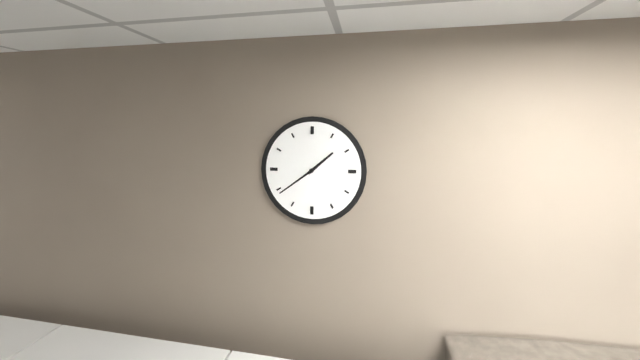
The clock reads 1.39
